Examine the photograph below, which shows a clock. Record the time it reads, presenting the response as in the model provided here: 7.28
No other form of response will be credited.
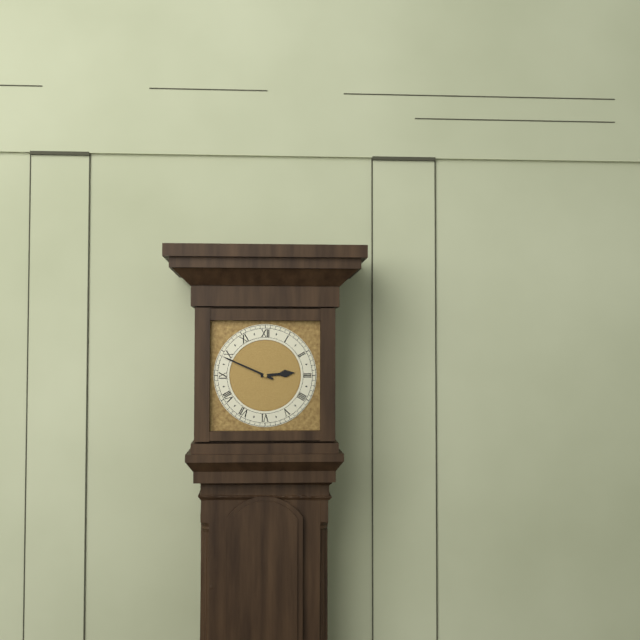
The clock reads 2.49
